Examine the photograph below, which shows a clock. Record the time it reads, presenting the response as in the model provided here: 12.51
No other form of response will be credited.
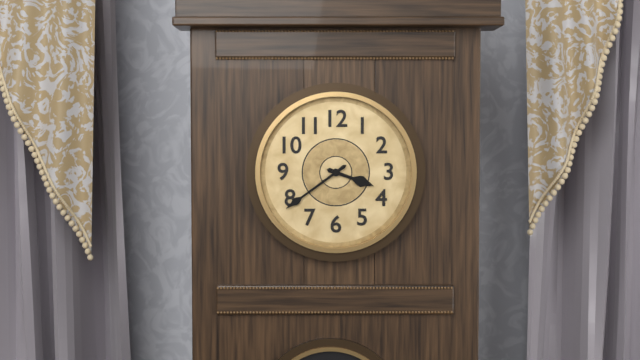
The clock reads 3.39
